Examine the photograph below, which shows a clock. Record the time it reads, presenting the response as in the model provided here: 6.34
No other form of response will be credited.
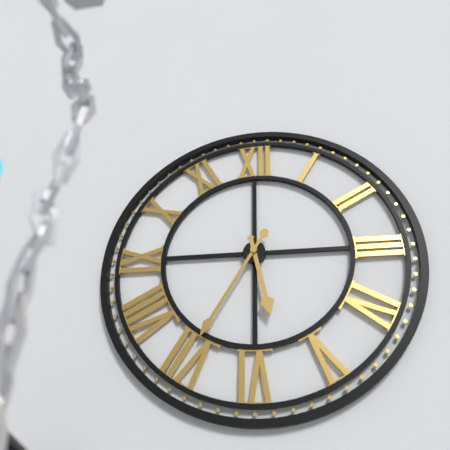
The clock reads 5.35
